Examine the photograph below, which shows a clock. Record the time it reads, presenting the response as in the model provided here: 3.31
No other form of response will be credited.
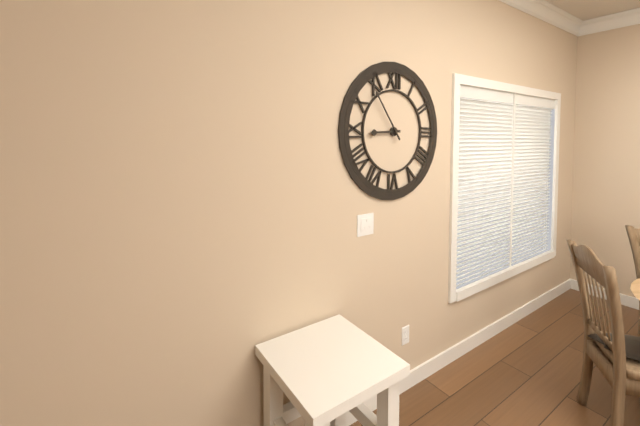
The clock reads 8.54
